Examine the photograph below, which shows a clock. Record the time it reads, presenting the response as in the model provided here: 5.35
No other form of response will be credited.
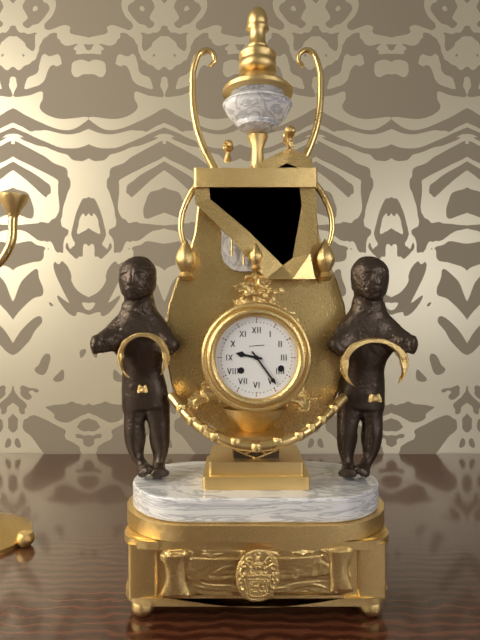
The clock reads 9.24
